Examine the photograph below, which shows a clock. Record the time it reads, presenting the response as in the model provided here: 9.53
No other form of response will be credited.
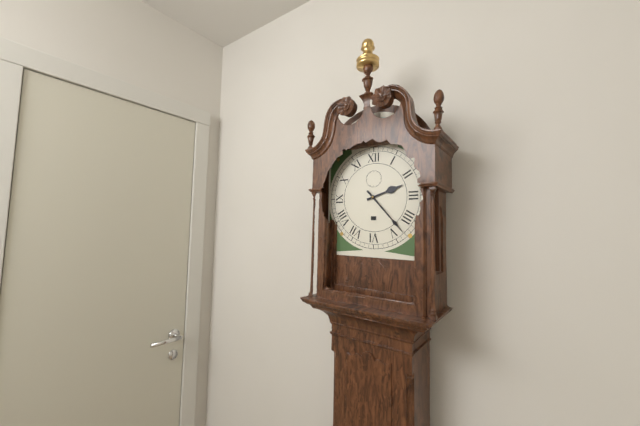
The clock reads 2.23
